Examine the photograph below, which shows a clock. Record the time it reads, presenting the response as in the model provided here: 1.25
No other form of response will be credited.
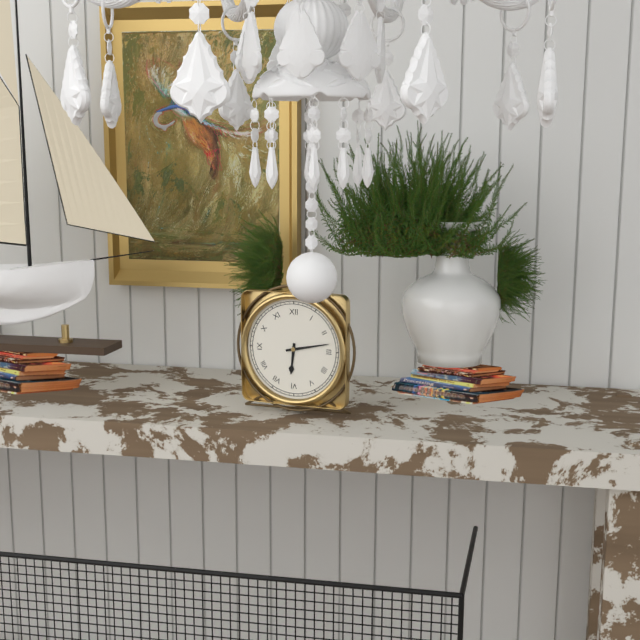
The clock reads 6.13
